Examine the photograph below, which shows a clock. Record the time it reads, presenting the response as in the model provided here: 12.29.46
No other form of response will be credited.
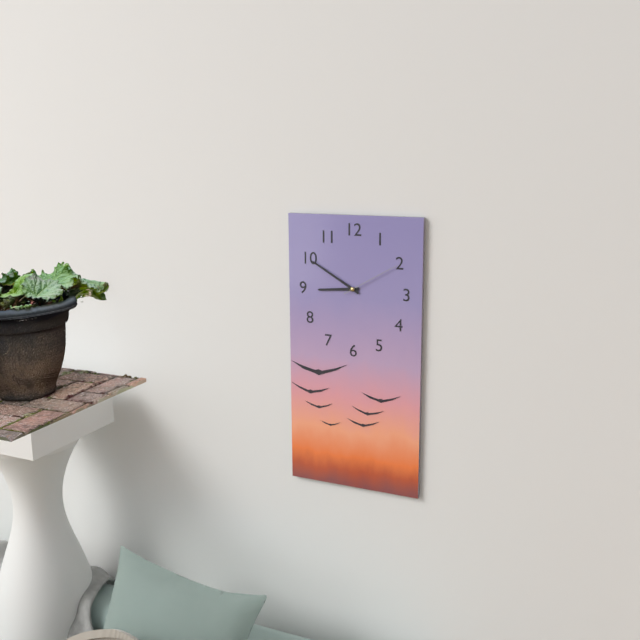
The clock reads 8.50.10
